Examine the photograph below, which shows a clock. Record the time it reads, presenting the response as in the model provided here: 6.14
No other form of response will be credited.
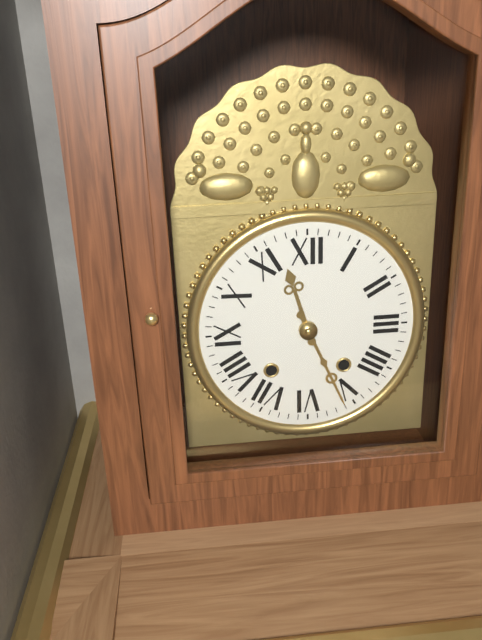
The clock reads 11.26
